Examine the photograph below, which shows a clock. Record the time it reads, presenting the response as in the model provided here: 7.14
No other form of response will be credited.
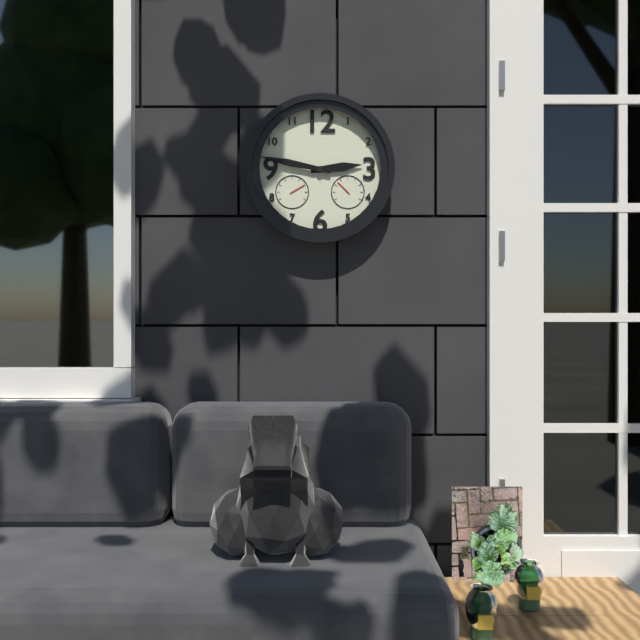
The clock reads 2.47
